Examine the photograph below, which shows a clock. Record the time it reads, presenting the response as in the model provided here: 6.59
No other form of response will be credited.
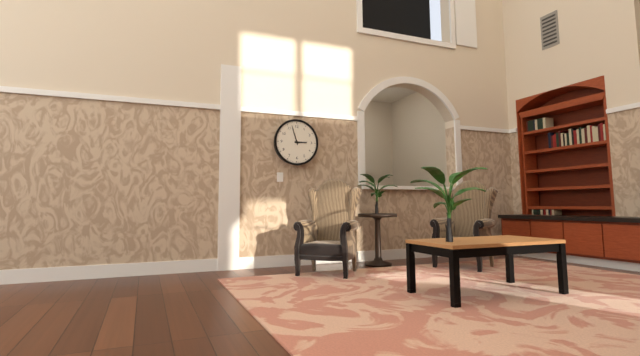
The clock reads 2.57
